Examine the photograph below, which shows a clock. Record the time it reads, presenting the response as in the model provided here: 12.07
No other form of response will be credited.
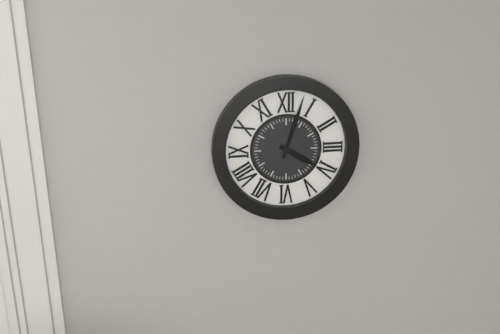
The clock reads 4.03
